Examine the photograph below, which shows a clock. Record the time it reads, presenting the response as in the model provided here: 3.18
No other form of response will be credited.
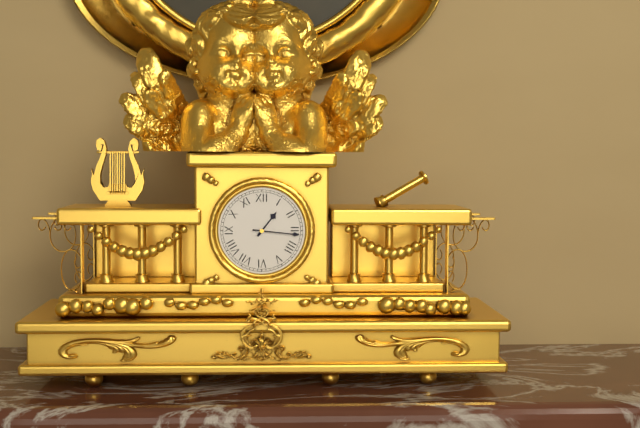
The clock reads 1.16
